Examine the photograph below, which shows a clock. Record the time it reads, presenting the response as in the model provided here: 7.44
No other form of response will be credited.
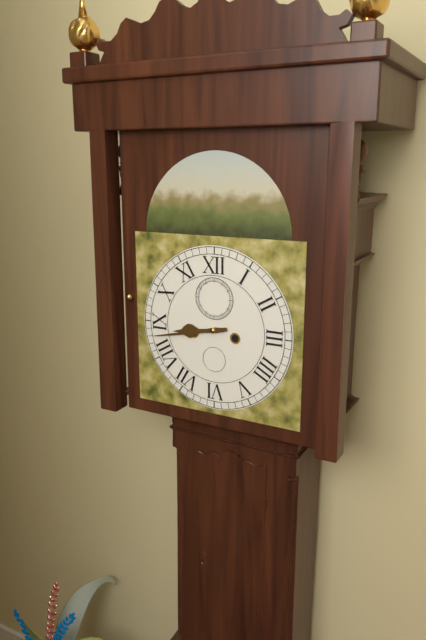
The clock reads 8.43
